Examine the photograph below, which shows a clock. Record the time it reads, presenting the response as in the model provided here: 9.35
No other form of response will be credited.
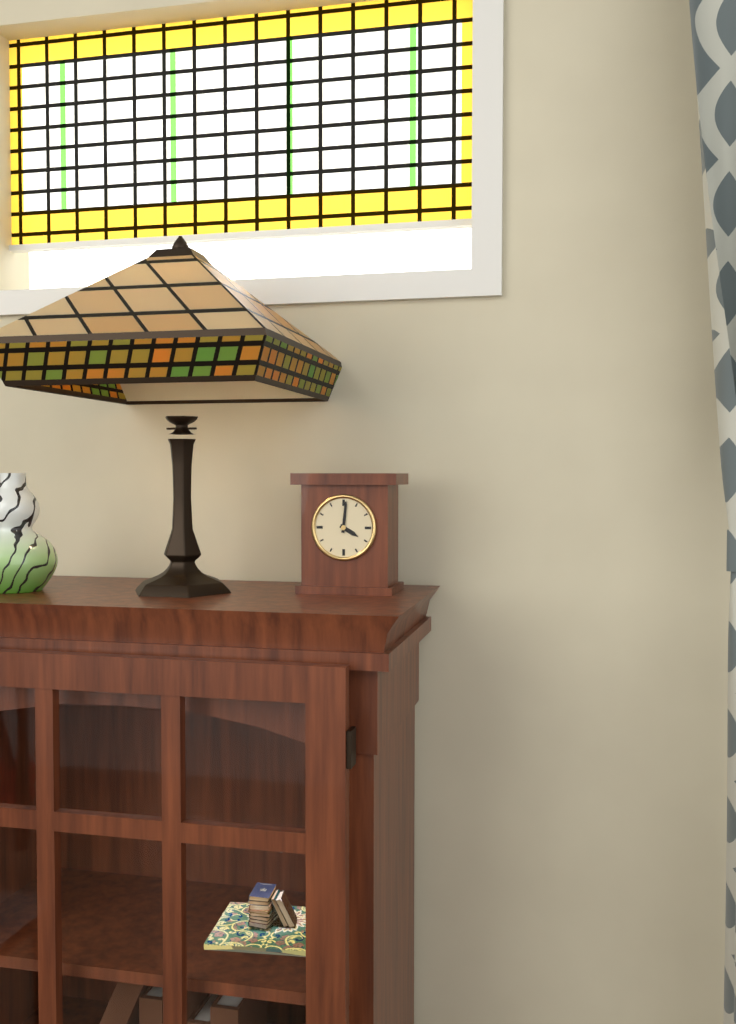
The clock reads 4.01
